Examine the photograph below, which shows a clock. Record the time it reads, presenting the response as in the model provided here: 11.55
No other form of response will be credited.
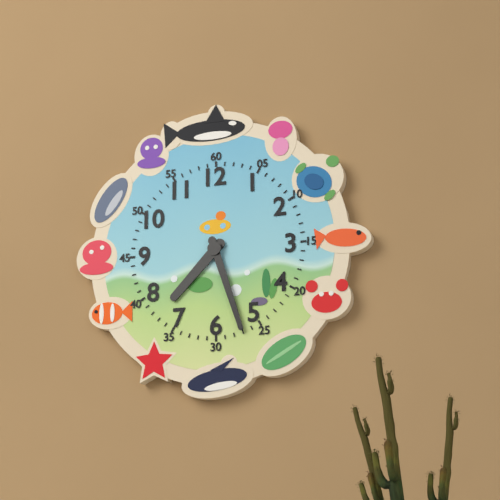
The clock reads 7.27
